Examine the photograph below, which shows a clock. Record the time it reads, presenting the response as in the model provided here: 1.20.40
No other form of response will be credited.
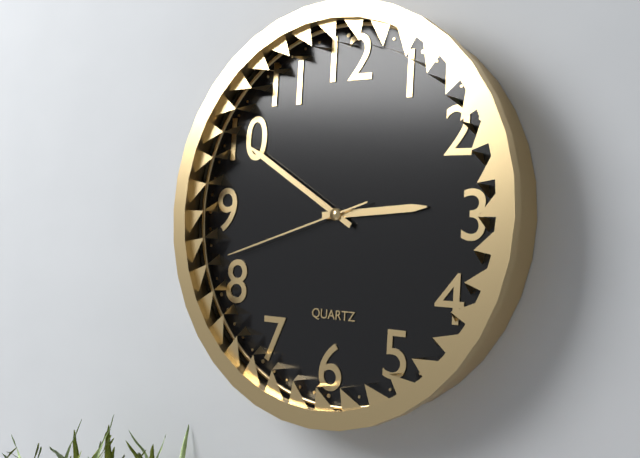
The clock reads 2.50.42
